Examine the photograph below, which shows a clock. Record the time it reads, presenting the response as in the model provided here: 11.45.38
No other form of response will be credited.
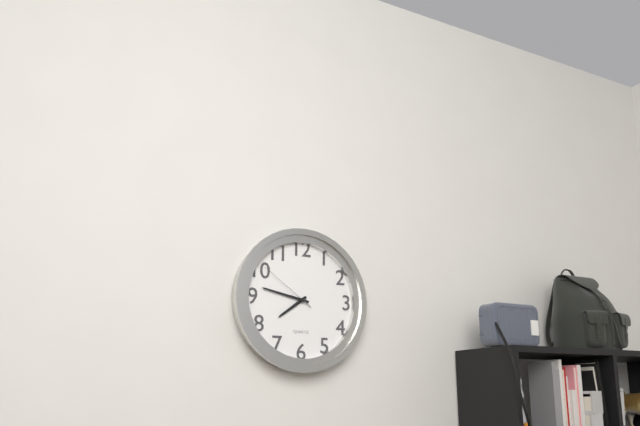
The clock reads 7.47.51
